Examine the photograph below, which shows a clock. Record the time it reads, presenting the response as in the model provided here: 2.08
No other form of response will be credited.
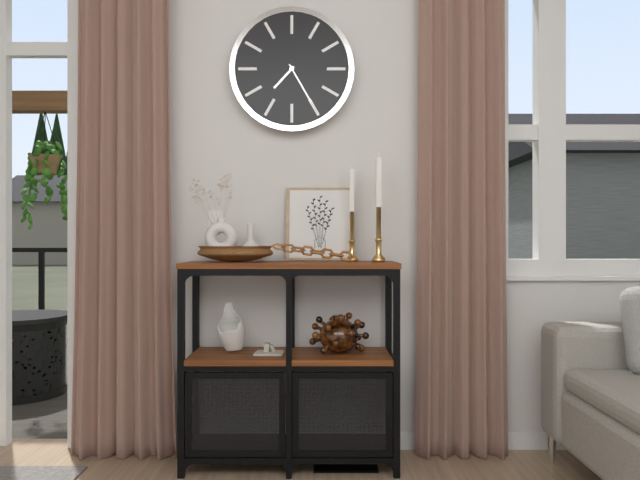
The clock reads 7.25
